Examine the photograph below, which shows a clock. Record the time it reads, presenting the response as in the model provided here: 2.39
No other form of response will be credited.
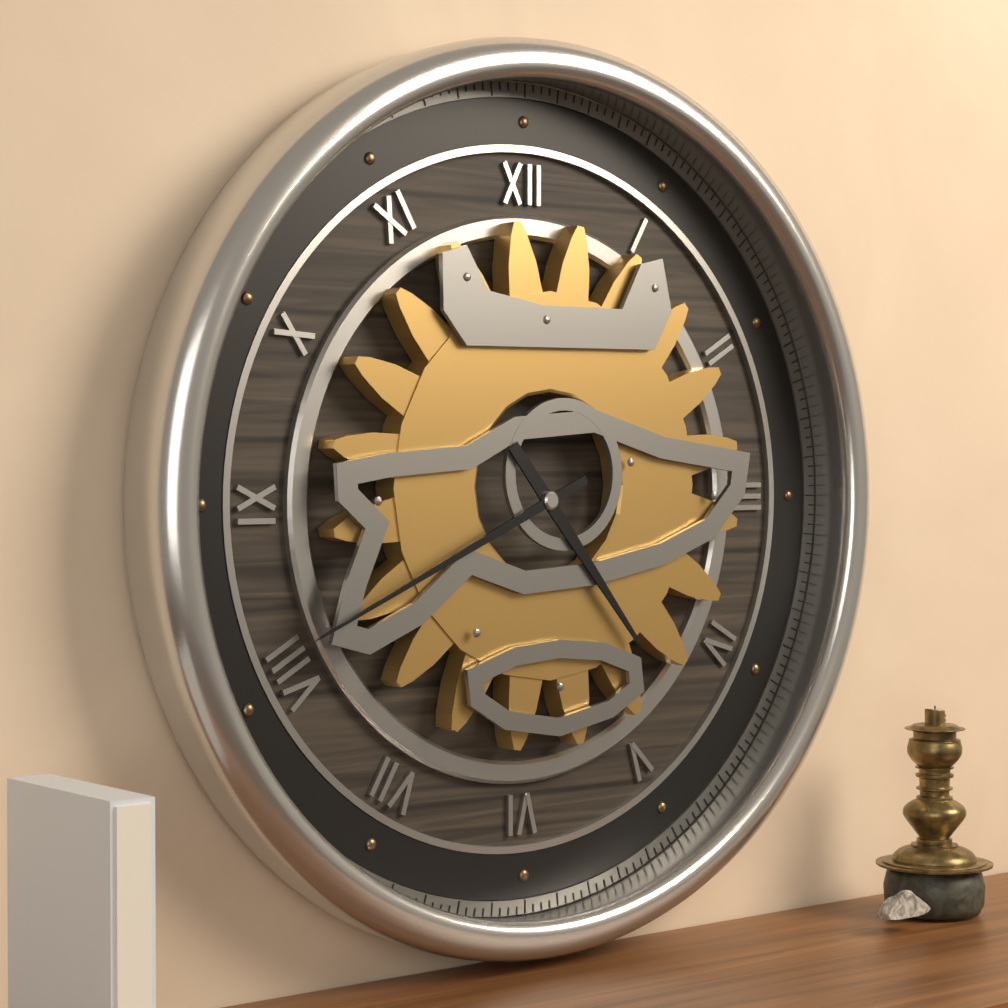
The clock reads 4.41
